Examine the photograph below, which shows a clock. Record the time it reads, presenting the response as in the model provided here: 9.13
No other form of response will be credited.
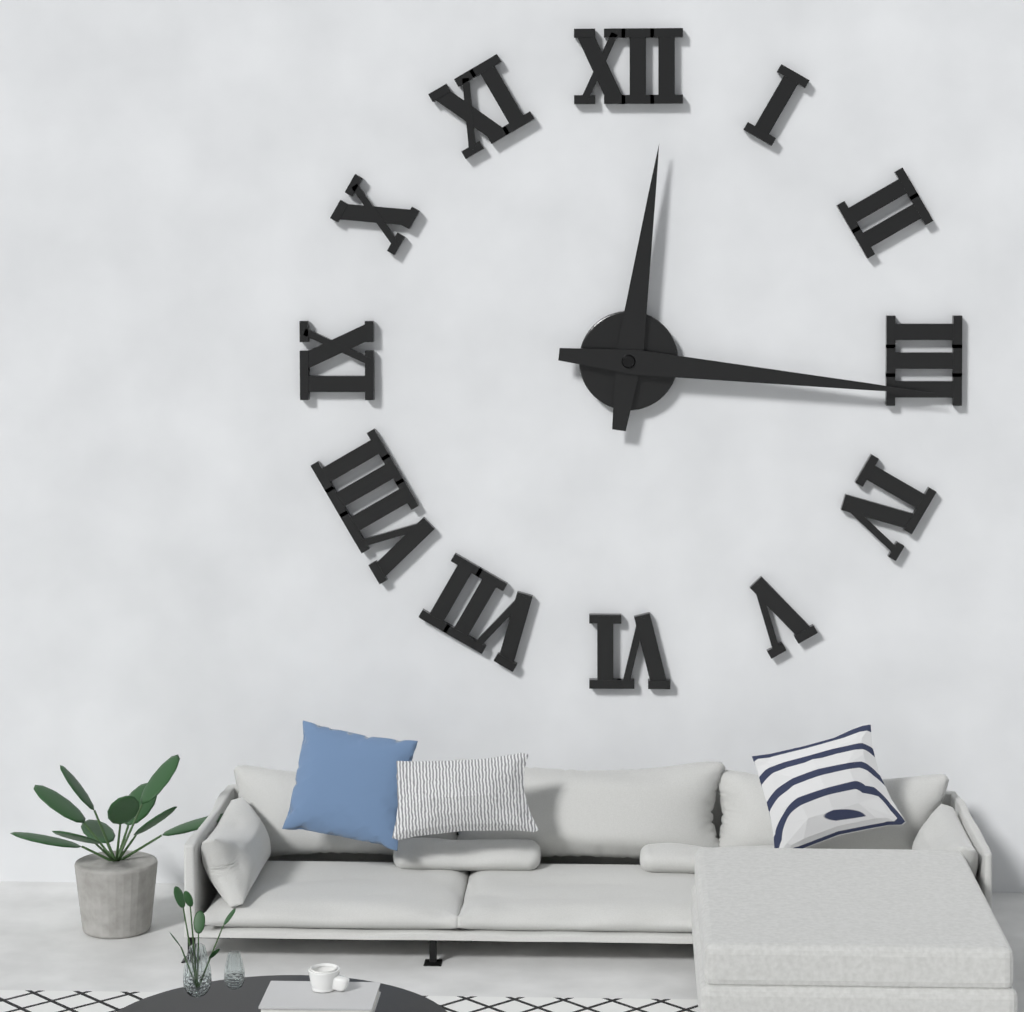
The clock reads 12.16
